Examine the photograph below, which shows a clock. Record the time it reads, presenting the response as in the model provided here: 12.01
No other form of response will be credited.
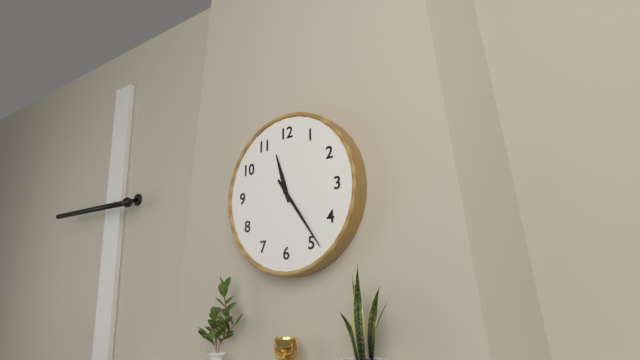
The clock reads 11.24
